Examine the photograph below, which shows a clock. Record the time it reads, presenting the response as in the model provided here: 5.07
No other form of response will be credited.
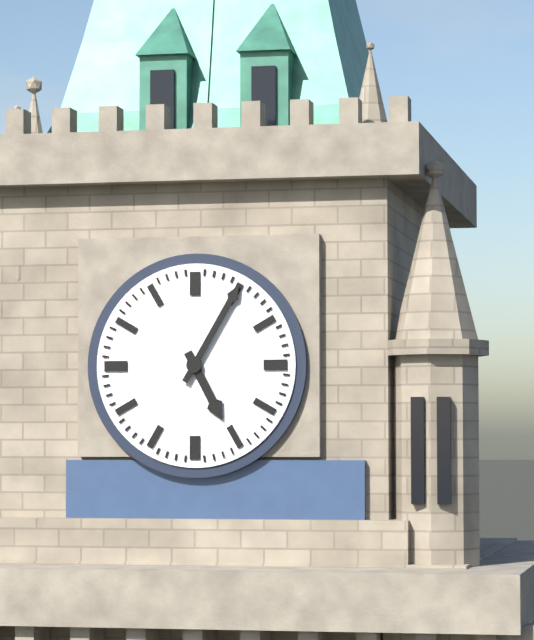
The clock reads 5.05
